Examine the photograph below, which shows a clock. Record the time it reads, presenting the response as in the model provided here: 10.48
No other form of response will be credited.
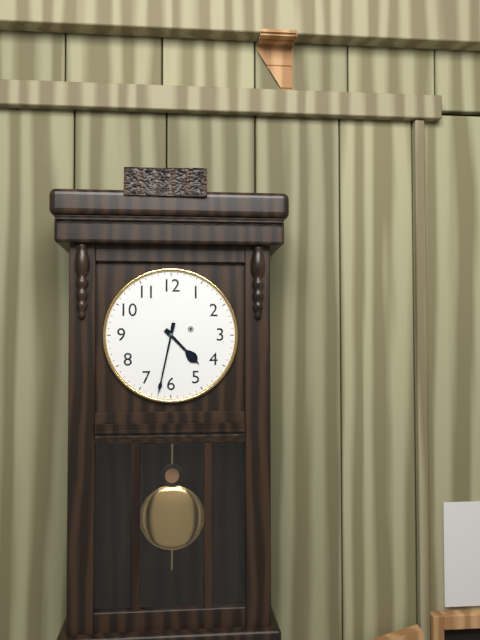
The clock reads 4.32
